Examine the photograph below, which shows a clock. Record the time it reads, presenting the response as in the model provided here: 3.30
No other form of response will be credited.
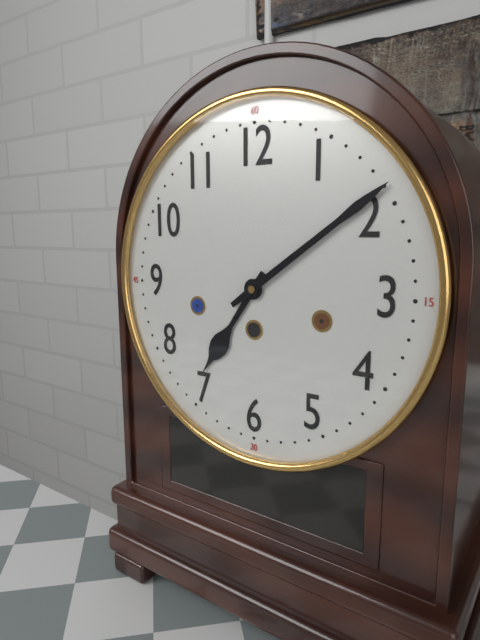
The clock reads 7.09
